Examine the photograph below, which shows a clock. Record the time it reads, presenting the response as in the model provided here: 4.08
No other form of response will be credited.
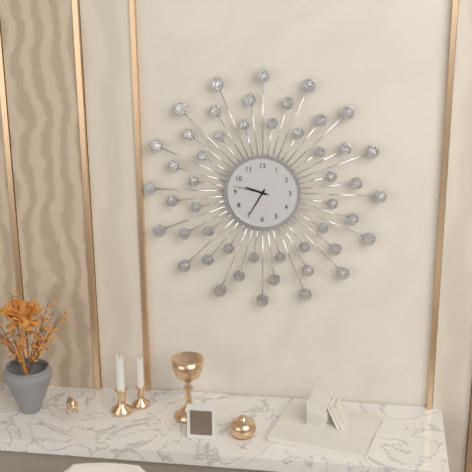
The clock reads 9.35
